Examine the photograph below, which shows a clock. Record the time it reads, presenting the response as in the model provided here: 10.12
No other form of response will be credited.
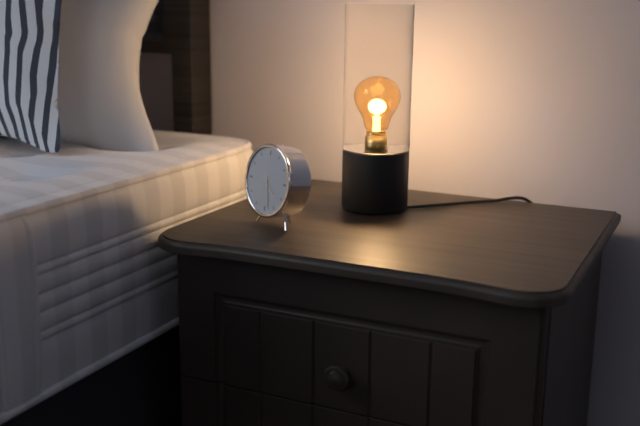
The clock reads 4.28
